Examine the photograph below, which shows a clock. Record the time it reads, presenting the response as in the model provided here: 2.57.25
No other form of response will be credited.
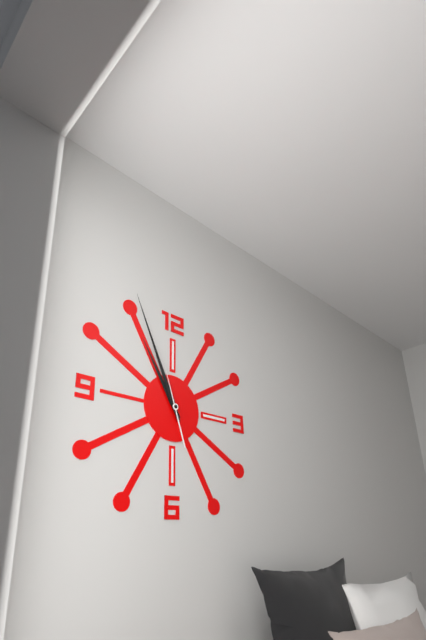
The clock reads 10.56.57
